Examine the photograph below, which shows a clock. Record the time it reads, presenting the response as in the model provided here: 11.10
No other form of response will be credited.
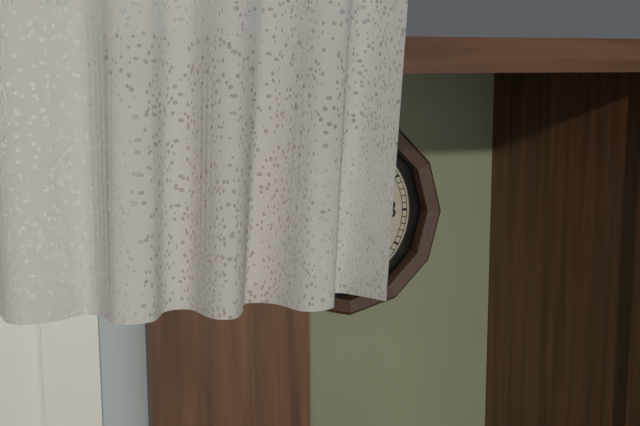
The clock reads 9.22
